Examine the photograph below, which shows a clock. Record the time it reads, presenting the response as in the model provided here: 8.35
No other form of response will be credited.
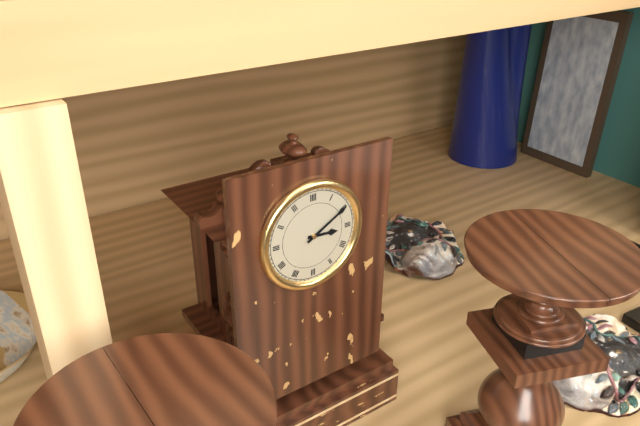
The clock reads 3.10
